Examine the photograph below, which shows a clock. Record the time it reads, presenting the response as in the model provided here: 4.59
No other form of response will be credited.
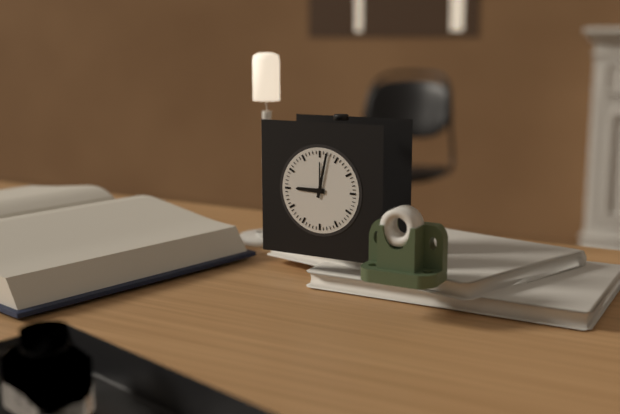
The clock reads 9.02
